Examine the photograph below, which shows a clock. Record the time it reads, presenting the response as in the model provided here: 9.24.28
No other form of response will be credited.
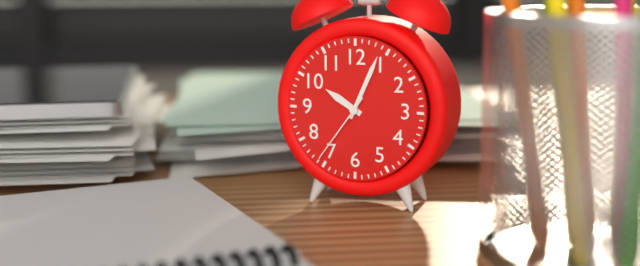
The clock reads 10.04.36
